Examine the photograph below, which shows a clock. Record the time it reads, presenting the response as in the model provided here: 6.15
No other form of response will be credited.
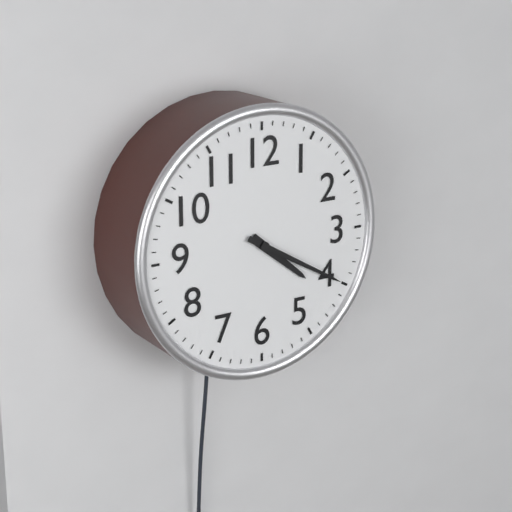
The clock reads 4.20
